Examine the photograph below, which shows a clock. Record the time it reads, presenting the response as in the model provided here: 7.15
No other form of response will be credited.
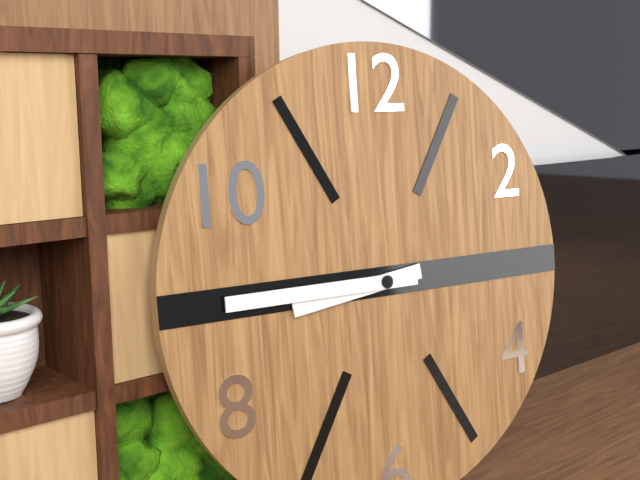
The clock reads 8.45
